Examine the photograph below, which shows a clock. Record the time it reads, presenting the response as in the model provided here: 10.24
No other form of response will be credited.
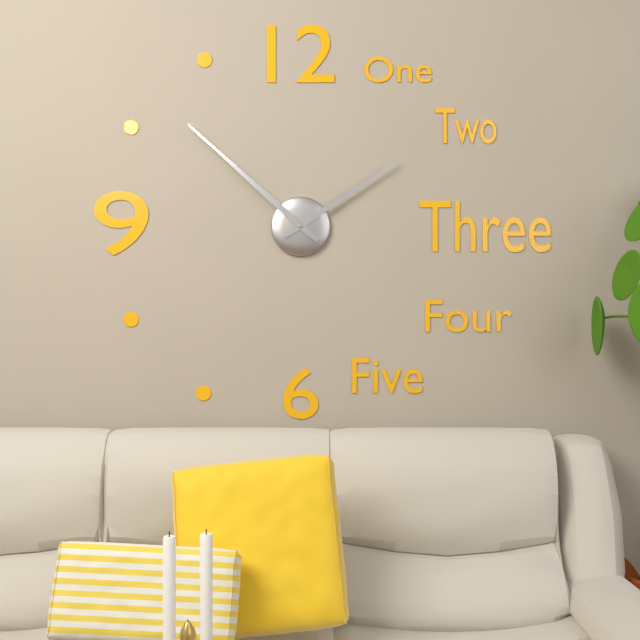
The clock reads 1.52
